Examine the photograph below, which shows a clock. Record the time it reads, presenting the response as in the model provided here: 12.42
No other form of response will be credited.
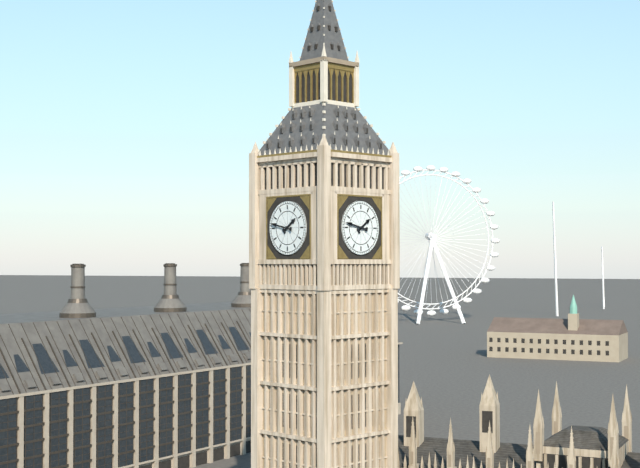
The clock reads 1.47
